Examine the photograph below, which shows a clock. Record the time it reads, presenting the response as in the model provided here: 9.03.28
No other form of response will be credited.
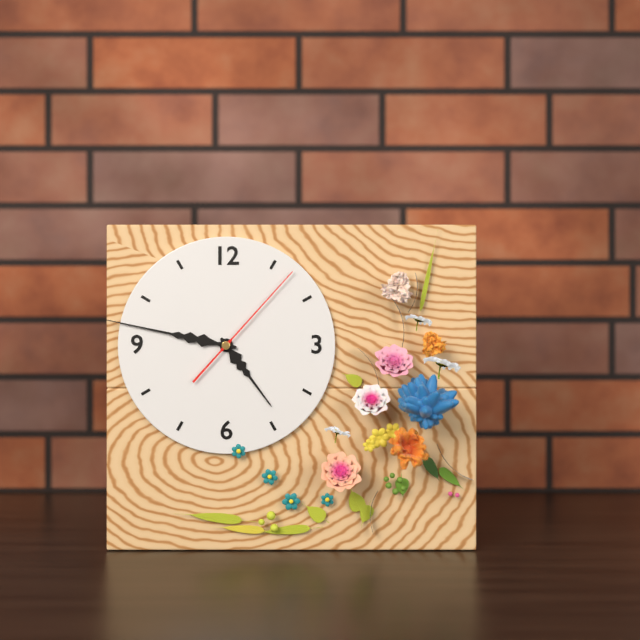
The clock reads 4.47.07
